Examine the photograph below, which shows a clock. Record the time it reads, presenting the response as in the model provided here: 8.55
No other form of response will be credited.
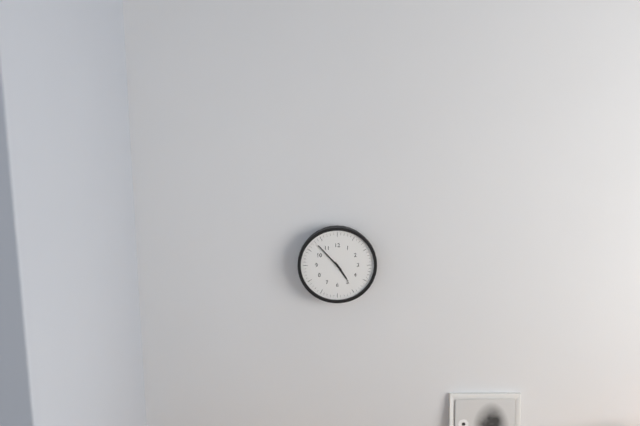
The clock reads 4.53
